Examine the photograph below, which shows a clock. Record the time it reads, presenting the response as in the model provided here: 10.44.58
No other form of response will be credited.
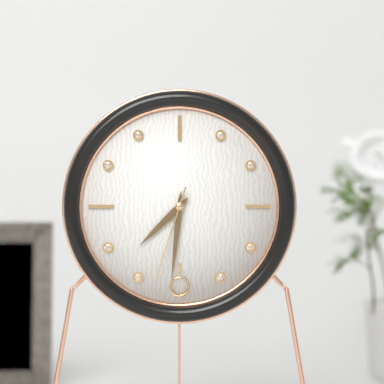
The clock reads 7.31.33
